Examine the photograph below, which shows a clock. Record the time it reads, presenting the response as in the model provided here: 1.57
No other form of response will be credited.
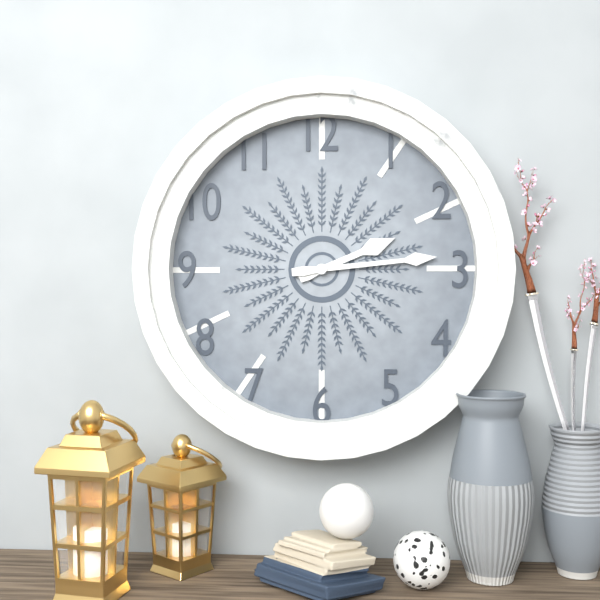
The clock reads 2.14
